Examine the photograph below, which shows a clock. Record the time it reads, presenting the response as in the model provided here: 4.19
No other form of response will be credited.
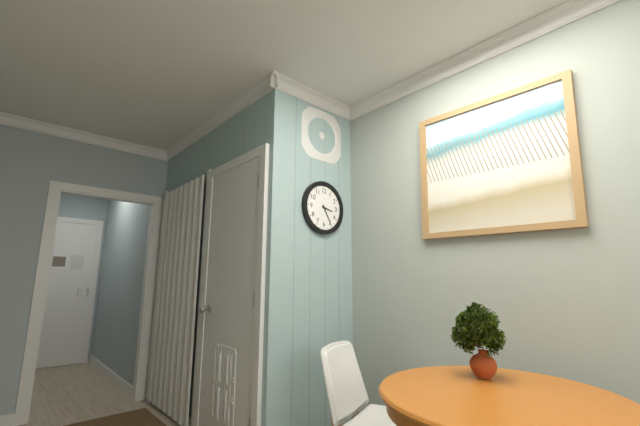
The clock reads 3.25
